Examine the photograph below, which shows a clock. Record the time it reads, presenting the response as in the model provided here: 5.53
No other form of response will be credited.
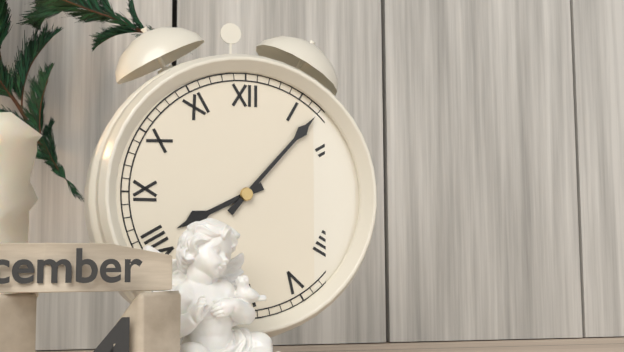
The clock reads 8.07
